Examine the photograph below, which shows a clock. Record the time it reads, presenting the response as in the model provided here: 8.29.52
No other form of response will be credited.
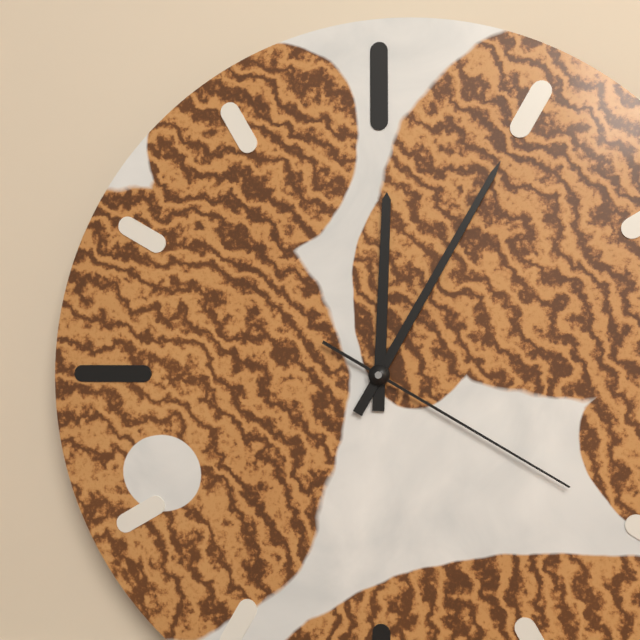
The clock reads 12.05.20
